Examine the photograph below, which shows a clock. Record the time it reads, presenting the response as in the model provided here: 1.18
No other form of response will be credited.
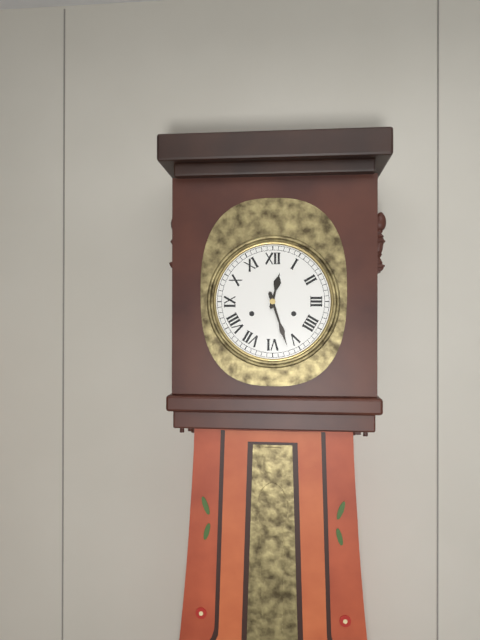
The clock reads 12.27
